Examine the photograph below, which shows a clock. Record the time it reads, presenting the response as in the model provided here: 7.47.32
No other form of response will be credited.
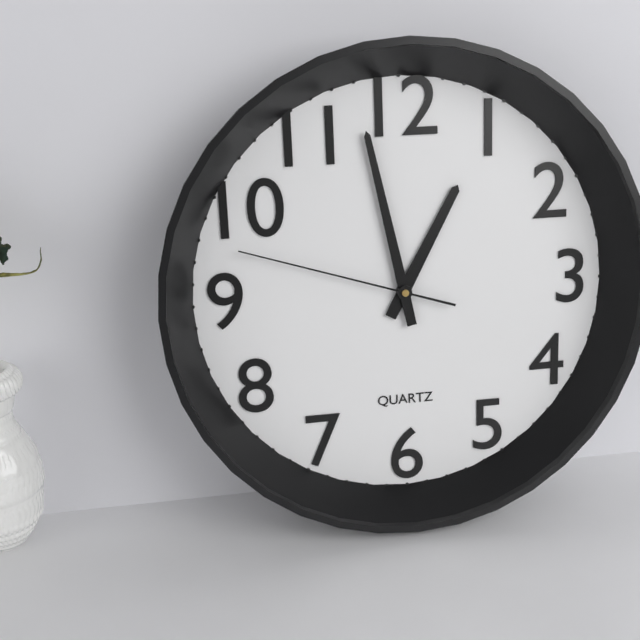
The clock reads 12.58.48
